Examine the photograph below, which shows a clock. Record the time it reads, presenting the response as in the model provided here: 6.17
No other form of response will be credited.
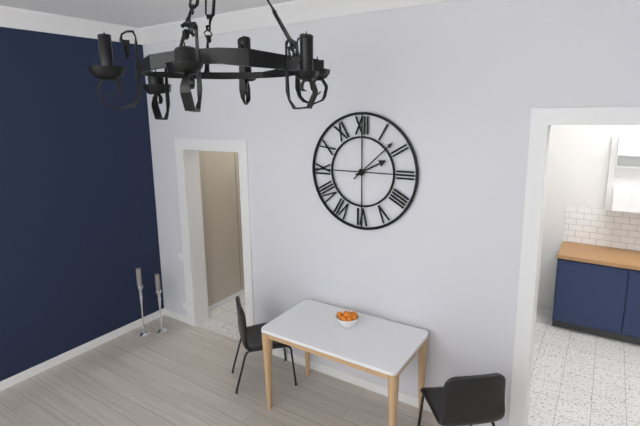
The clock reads 2.08
